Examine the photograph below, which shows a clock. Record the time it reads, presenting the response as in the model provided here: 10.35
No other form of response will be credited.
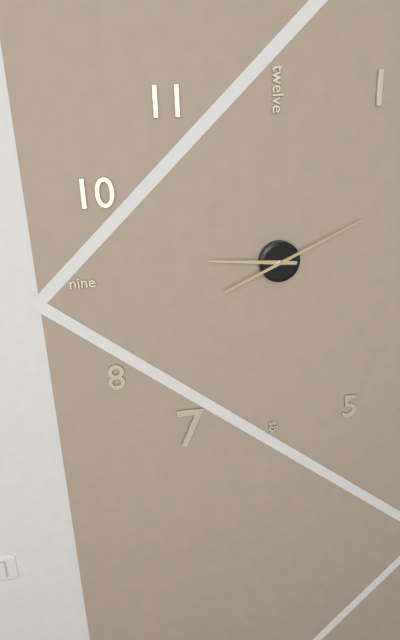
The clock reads 9.11
